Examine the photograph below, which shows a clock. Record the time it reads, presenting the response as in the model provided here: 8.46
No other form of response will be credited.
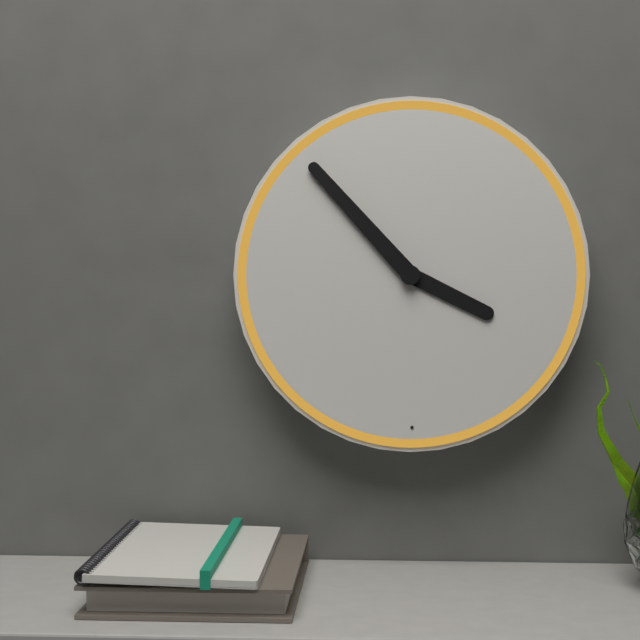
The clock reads 3.53
